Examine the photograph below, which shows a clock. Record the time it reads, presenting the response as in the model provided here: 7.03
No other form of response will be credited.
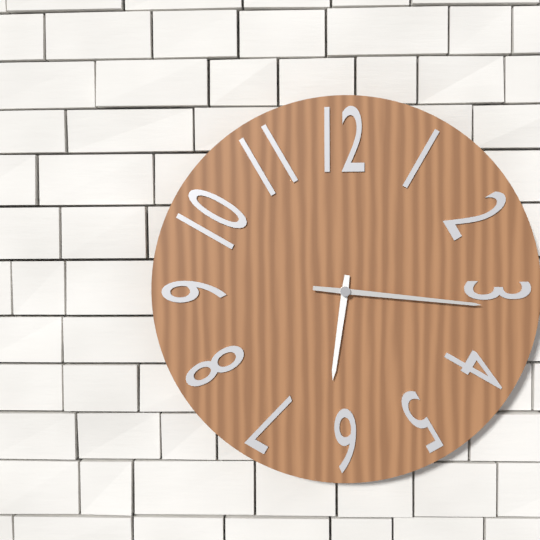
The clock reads 6.16
